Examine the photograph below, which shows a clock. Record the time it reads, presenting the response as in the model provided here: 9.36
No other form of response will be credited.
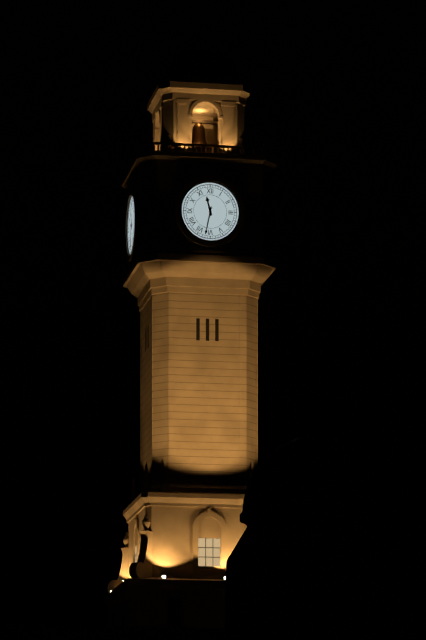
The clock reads 11.32
